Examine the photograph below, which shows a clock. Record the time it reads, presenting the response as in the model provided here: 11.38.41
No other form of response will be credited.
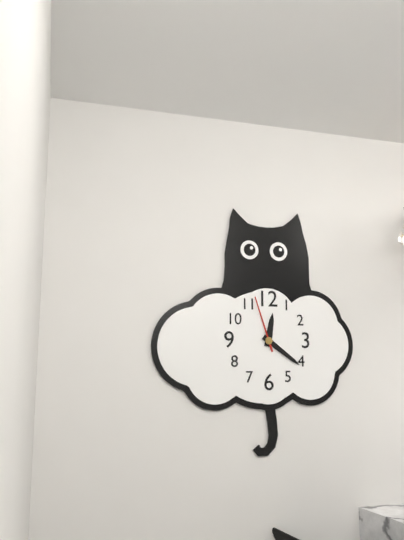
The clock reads 12.21.57
